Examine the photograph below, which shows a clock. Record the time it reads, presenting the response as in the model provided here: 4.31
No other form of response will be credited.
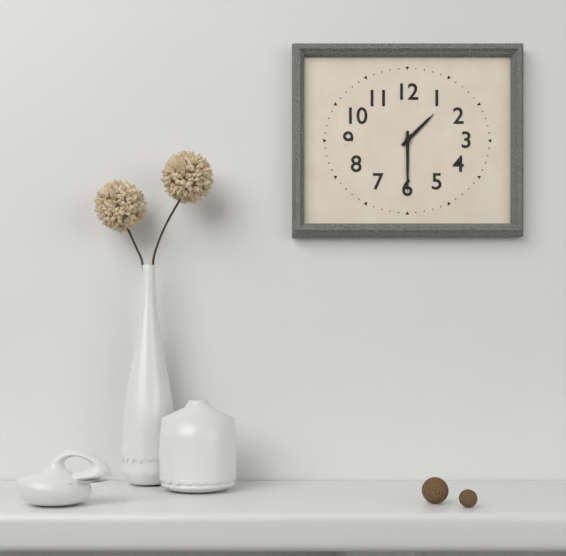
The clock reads 1.30
